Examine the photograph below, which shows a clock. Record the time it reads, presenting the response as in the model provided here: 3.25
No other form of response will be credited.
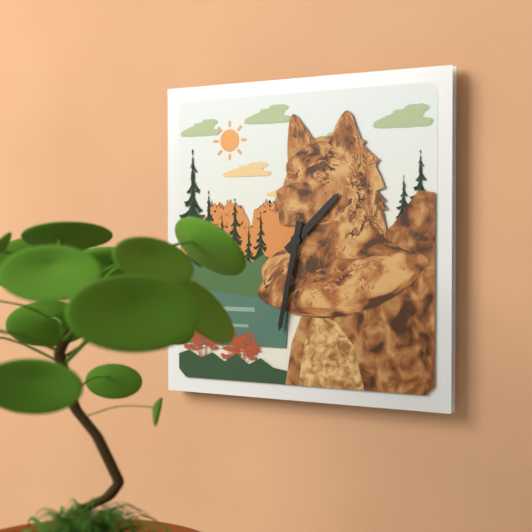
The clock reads 1.32
